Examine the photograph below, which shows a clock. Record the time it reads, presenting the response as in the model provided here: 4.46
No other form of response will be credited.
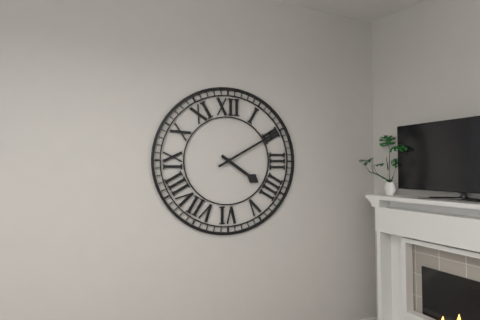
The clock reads 4.10
